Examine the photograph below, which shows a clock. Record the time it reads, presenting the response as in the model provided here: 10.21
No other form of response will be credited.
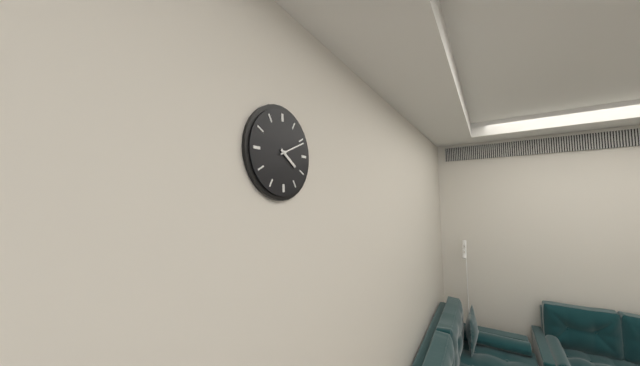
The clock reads 4.11
